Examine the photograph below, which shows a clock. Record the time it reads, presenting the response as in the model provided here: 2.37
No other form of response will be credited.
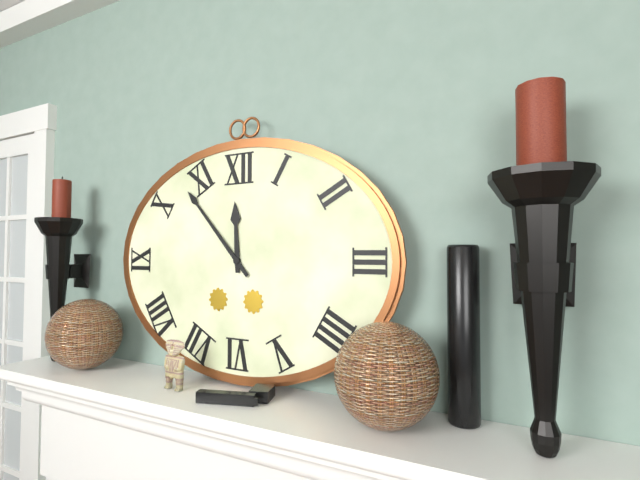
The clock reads 11.53
